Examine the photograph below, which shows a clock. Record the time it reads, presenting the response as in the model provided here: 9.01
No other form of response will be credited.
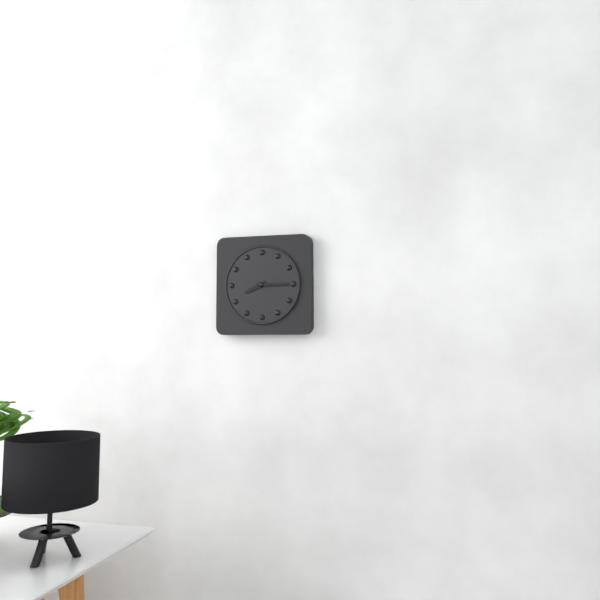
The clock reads 8.15
